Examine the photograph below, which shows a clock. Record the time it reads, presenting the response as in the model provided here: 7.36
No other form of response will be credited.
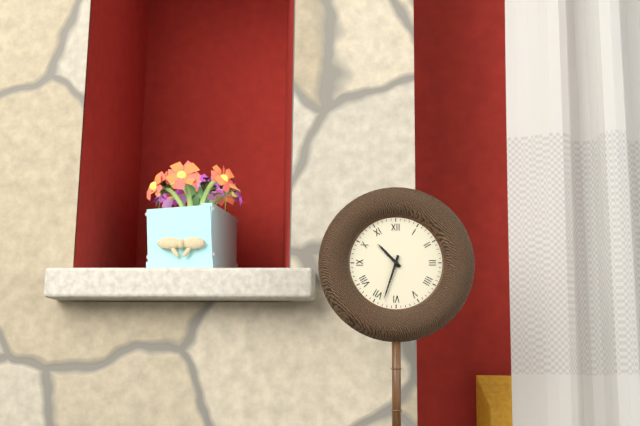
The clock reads 10.33
